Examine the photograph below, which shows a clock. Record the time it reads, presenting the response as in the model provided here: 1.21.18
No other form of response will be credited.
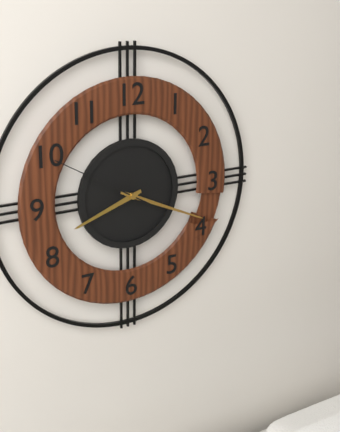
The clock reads 8.19.50
